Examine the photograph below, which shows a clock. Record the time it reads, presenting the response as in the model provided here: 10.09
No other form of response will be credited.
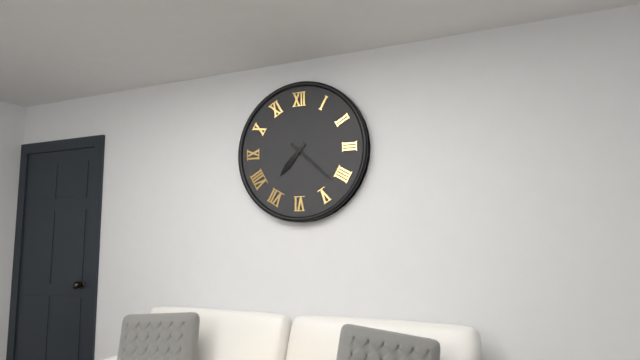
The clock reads 7.22
